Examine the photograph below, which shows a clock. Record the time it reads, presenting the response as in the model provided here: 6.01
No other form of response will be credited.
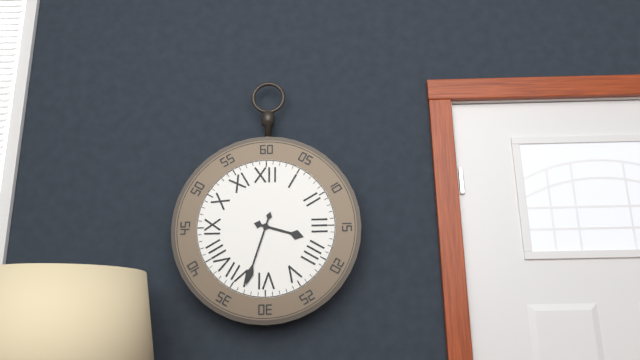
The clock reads 3.33
